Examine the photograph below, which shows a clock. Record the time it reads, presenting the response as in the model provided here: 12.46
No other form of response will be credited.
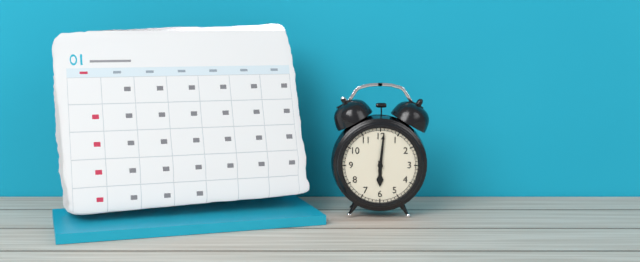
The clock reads 6.01
